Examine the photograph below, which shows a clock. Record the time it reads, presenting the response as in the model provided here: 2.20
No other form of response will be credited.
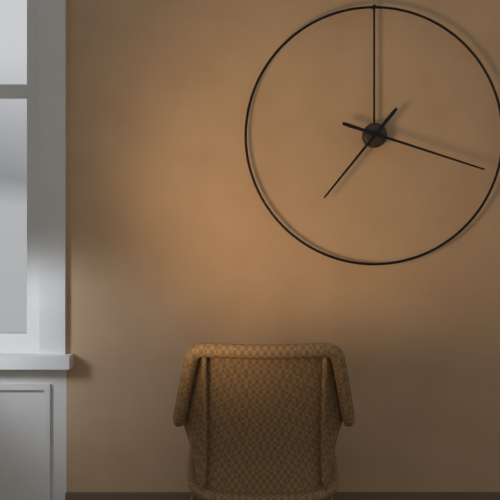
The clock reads 7.18
